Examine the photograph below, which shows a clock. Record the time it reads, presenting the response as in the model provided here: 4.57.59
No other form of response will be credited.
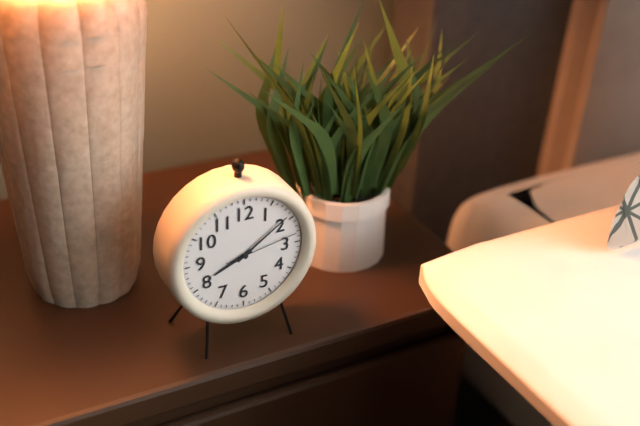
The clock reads 8.09.13
